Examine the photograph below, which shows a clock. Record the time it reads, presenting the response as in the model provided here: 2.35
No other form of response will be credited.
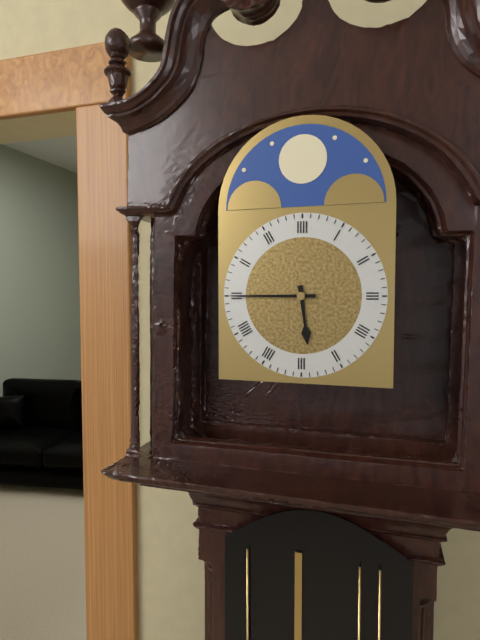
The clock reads 5.45
